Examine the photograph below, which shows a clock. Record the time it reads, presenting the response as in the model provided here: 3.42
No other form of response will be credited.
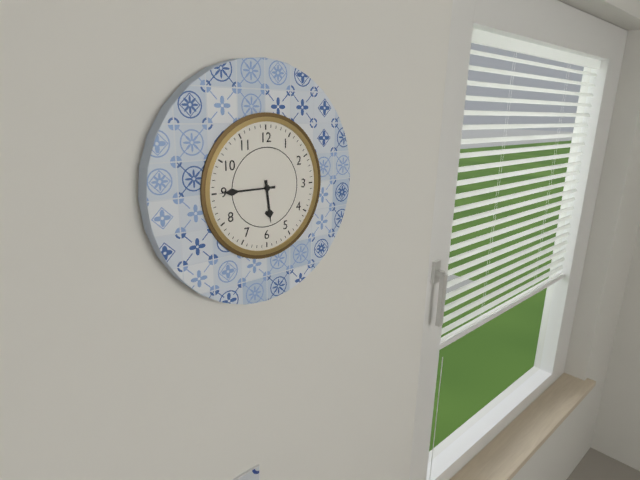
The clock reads 5.45
